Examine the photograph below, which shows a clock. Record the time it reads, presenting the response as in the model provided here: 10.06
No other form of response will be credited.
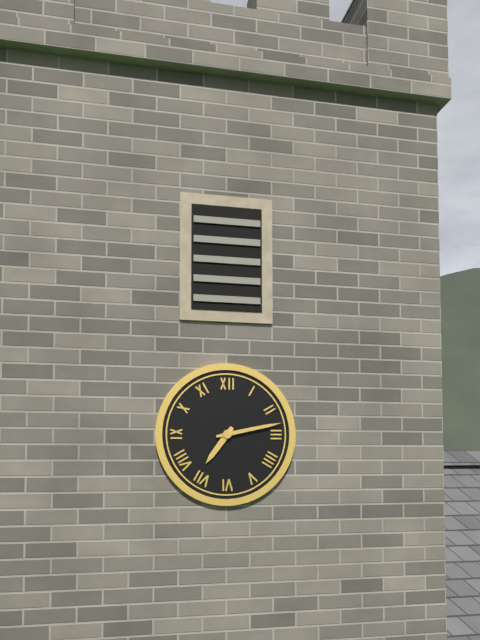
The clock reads 7.13
